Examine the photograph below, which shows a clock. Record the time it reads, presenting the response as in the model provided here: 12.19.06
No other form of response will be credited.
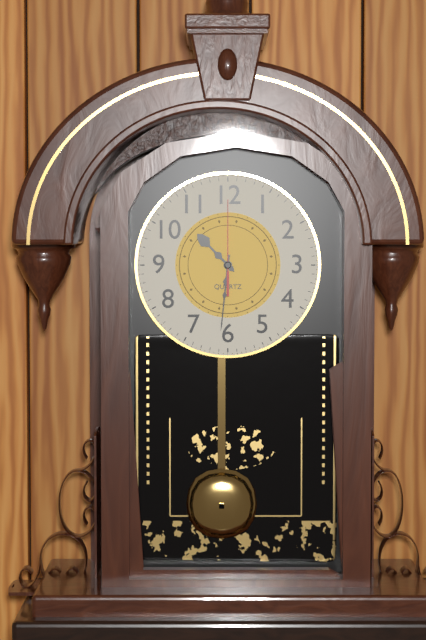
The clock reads 10.31.00
